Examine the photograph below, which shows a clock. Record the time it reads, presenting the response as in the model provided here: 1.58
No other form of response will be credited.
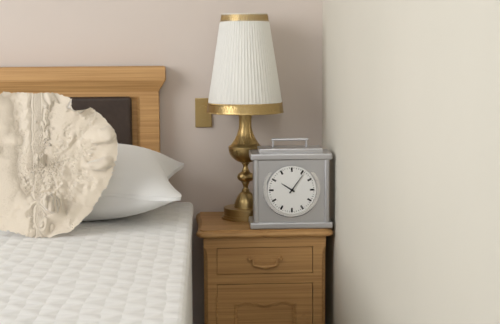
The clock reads 10.06
